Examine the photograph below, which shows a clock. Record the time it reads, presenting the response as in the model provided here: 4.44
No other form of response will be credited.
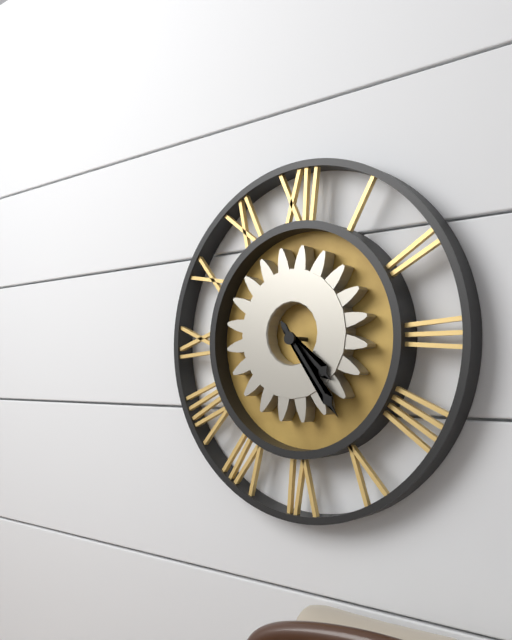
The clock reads 4.24
